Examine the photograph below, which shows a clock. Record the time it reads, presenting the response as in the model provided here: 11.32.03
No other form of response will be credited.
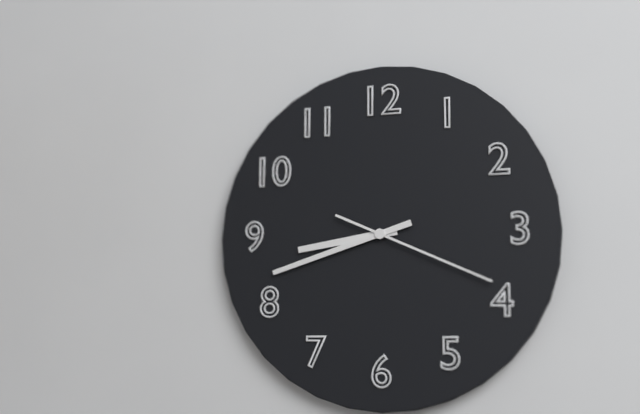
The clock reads 8.42.19
